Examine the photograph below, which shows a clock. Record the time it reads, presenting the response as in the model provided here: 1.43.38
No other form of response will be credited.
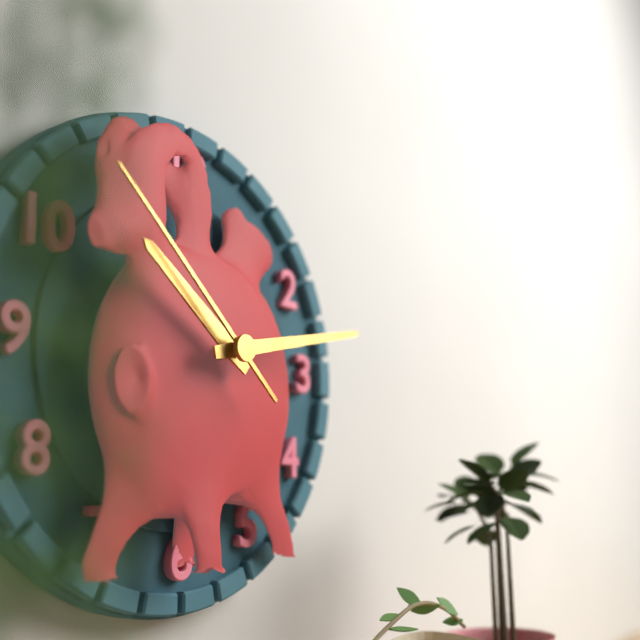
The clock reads 10.13.52
